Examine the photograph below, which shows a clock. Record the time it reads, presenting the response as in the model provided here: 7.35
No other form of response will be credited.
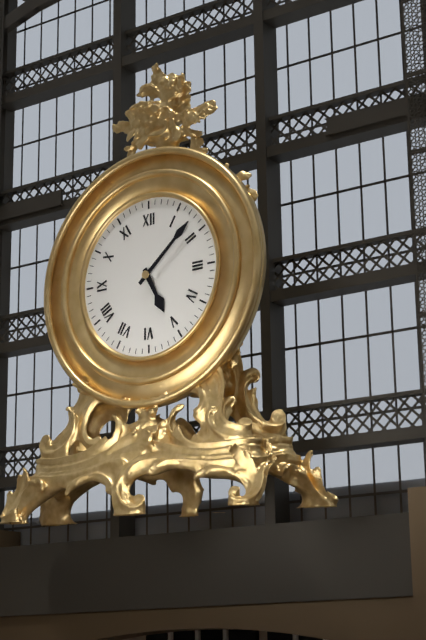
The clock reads 5.08
